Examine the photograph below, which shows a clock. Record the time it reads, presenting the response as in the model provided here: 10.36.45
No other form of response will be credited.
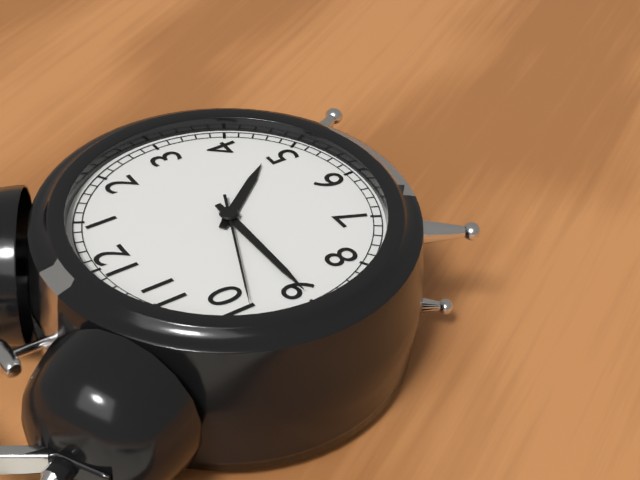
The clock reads 4.45.49
